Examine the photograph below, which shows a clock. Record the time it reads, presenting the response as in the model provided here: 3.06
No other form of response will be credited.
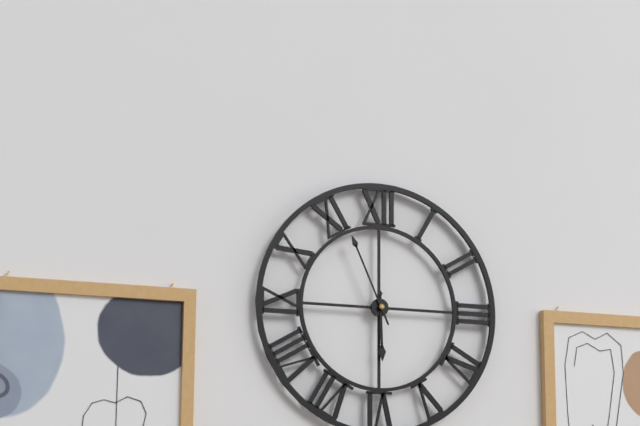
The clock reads 5.56
